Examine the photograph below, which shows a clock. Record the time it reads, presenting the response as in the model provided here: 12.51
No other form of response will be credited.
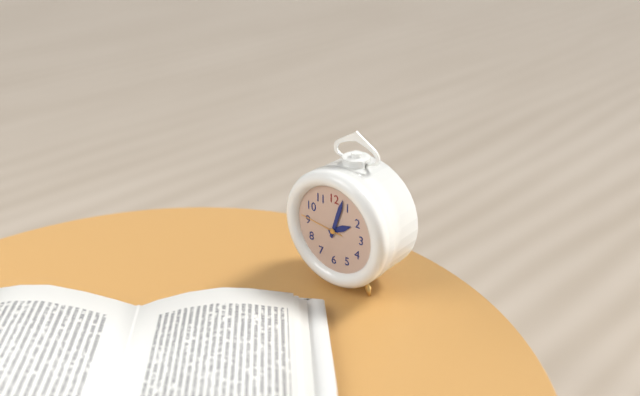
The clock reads 2.03
